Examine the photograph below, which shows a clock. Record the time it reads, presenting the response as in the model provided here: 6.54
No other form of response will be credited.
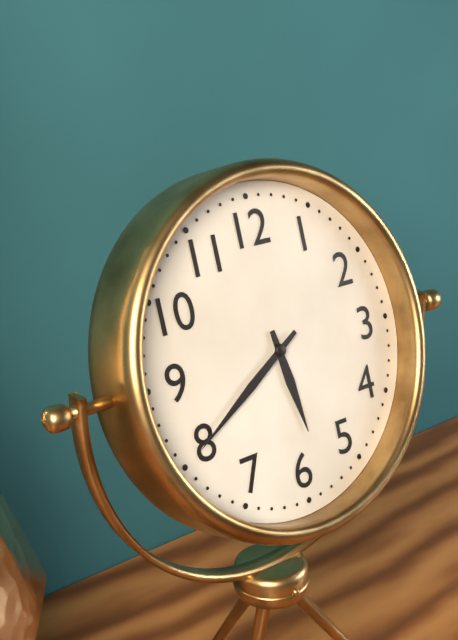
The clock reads 5.40
